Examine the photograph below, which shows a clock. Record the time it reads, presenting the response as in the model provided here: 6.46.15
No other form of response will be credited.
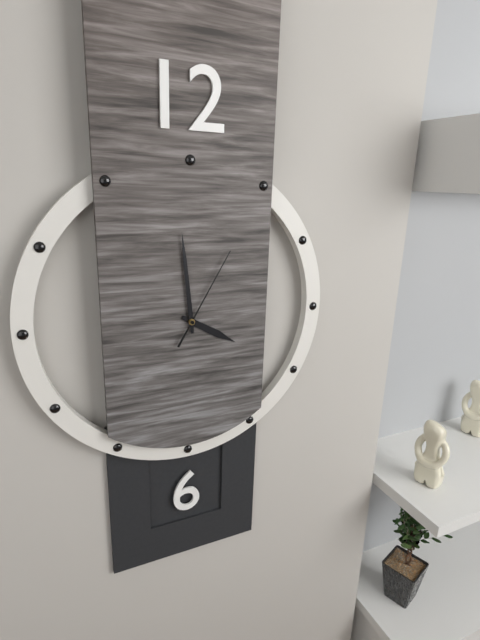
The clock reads 3.59.05
